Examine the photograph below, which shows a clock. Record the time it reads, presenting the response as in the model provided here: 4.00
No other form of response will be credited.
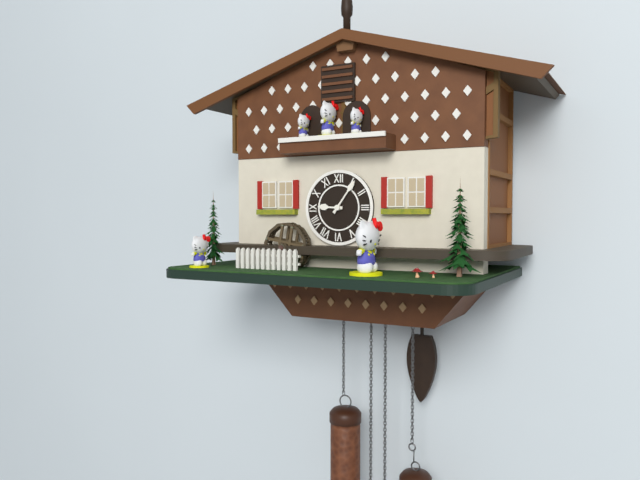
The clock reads 9.06
